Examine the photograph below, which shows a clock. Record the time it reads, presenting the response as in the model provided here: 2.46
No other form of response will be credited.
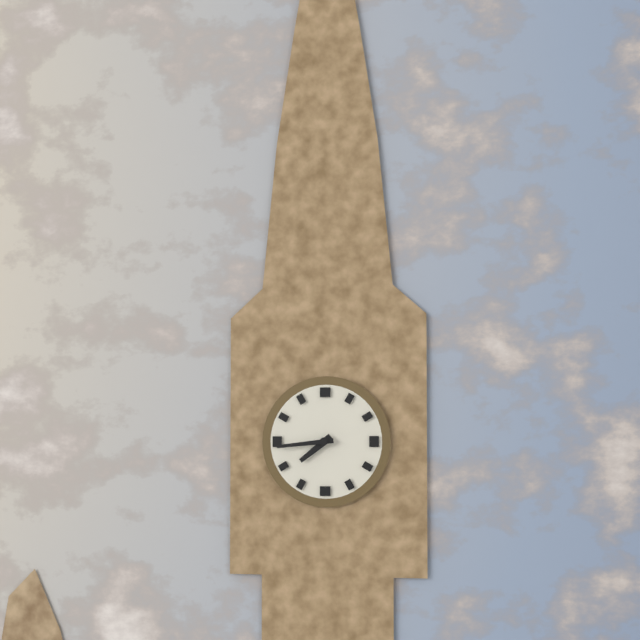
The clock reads 7.44
